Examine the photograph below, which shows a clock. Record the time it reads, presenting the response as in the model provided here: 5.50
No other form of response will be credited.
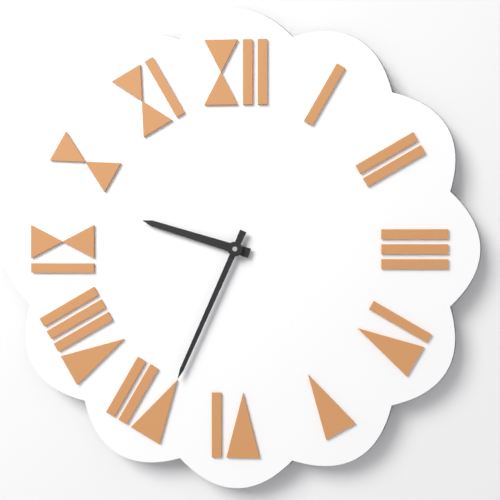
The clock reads 9.34
